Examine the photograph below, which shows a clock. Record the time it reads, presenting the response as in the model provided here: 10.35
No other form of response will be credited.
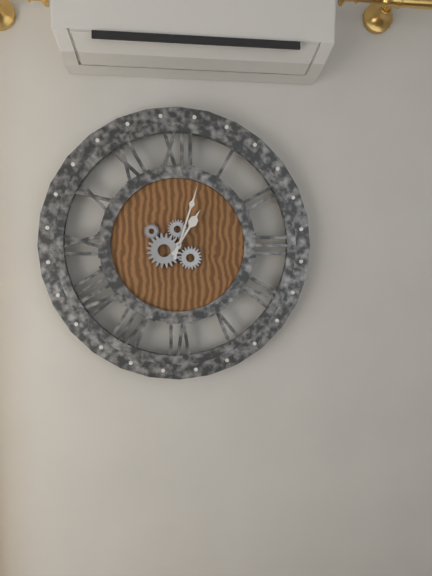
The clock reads 1.03
